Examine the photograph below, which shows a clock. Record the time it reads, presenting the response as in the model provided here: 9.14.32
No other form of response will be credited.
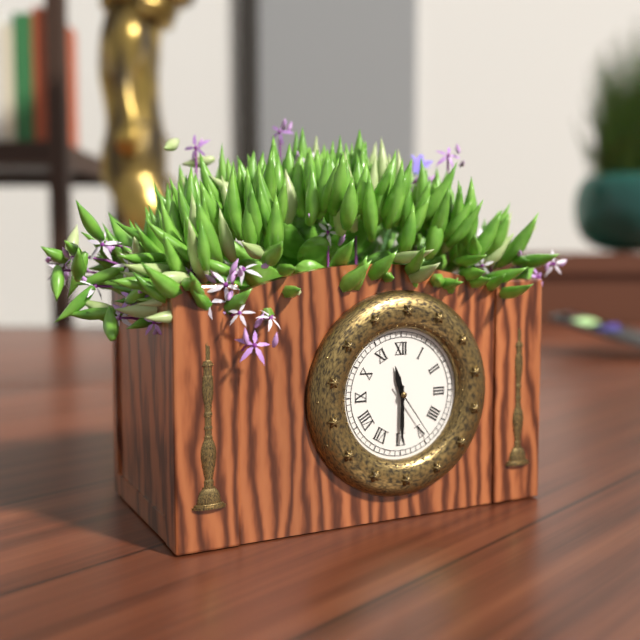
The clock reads 11.30.24
